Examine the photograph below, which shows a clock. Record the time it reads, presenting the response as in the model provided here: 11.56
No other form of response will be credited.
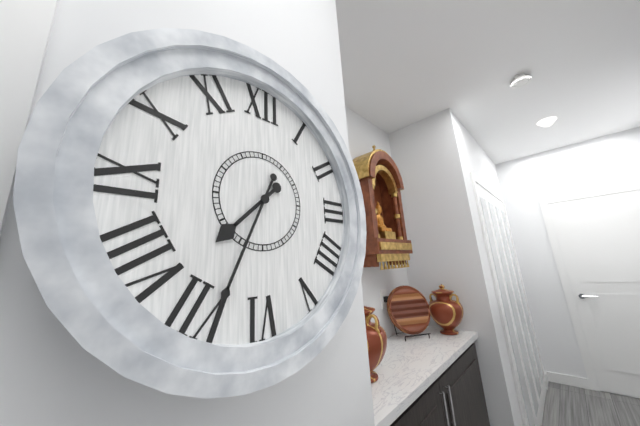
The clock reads 7.34
